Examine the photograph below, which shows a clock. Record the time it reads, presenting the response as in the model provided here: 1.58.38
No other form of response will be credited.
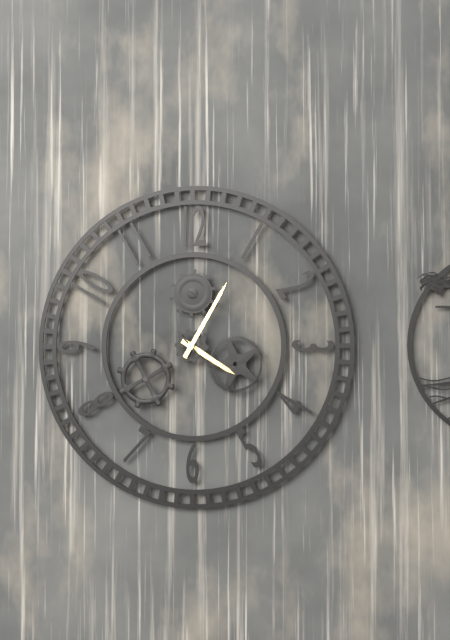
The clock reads 4.05.23
